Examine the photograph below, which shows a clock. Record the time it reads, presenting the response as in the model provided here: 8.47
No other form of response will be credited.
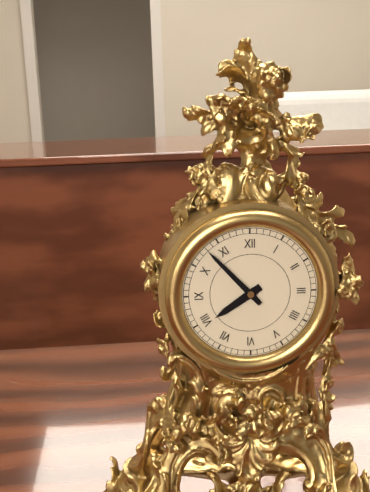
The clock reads 7.53
